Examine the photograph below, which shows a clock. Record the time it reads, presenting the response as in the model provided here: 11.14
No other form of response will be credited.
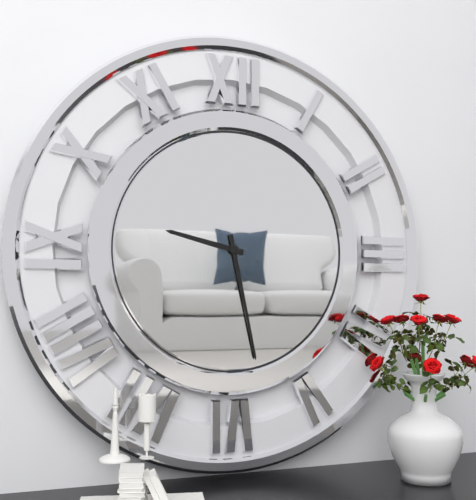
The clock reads 9.28
